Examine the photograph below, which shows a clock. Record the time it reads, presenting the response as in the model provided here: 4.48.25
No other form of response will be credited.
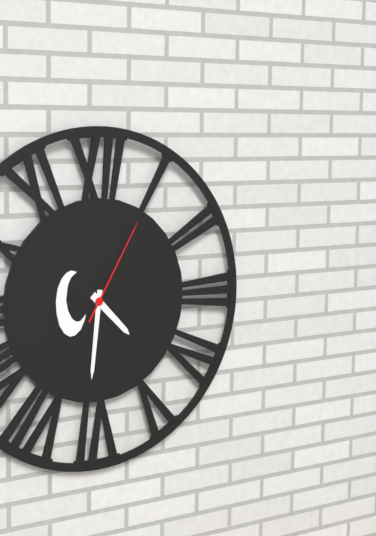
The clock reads 4.31.05
